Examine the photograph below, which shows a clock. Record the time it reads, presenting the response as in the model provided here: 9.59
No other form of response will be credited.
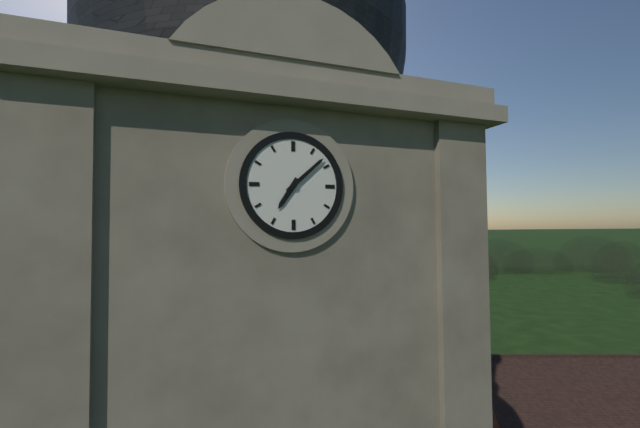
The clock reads 7.08
